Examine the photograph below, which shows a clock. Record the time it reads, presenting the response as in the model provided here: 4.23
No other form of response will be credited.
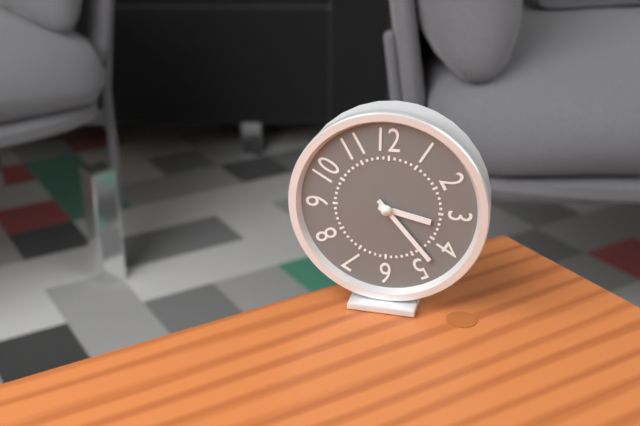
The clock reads 3.23
